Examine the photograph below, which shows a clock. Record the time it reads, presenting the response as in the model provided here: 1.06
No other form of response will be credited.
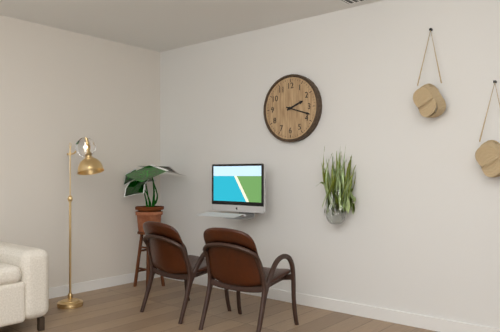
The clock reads 2.18
